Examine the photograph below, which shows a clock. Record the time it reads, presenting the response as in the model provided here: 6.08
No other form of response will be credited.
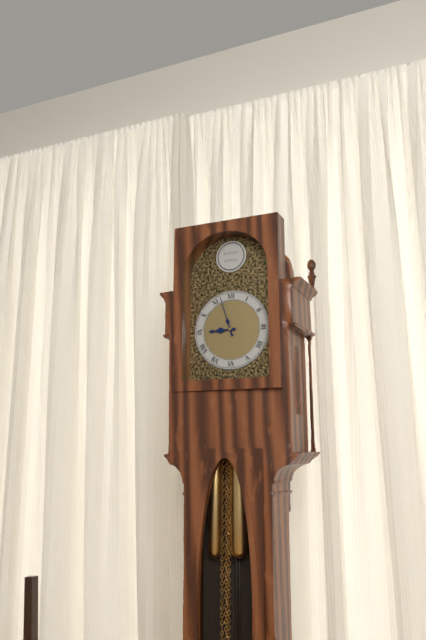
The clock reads 8.57
